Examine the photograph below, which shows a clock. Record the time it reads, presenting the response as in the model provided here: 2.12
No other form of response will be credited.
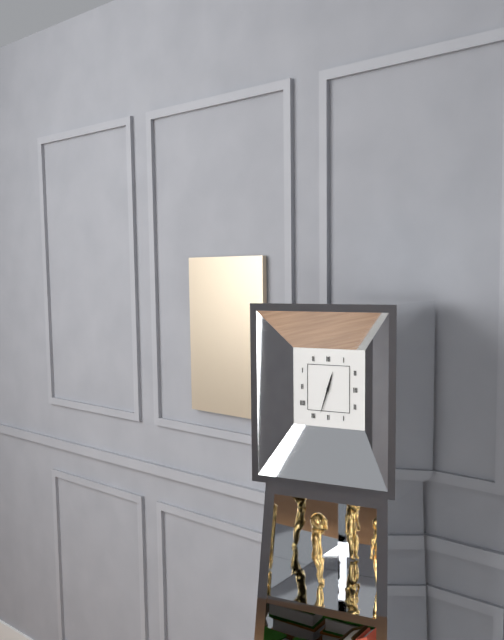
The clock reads 12.33
